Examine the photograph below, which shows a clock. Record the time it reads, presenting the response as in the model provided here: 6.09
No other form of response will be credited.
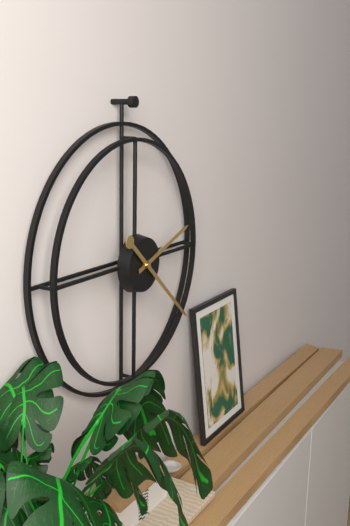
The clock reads 2.22
